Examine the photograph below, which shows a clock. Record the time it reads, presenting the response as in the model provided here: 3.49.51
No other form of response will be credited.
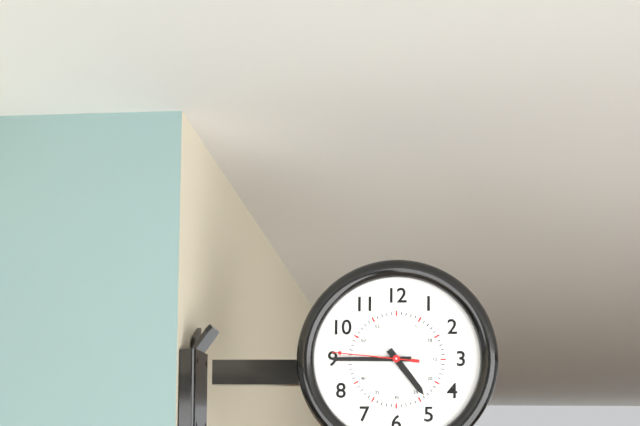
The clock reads 4.45.46
